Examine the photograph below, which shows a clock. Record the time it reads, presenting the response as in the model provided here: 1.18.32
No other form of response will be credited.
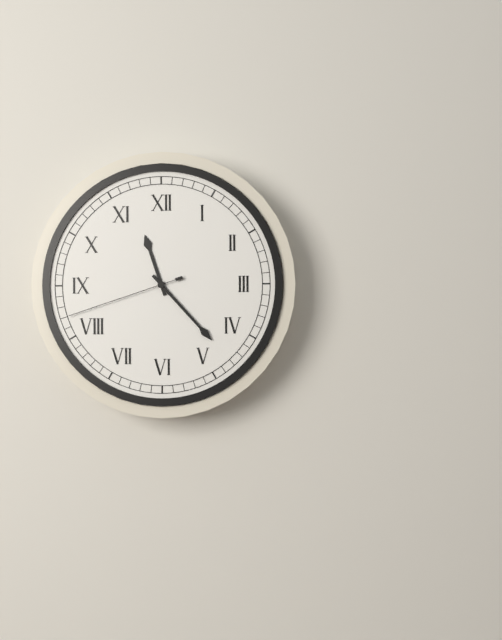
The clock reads 11.23.42
